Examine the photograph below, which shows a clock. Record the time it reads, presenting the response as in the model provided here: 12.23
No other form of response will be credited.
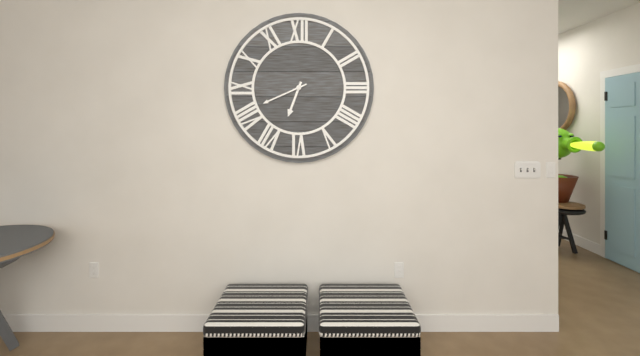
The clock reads 6.41
